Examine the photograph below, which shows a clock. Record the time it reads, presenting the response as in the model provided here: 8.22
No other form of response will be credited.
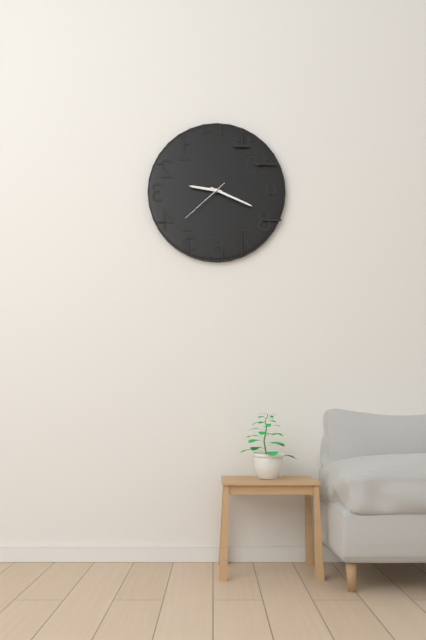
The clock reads 9.19
